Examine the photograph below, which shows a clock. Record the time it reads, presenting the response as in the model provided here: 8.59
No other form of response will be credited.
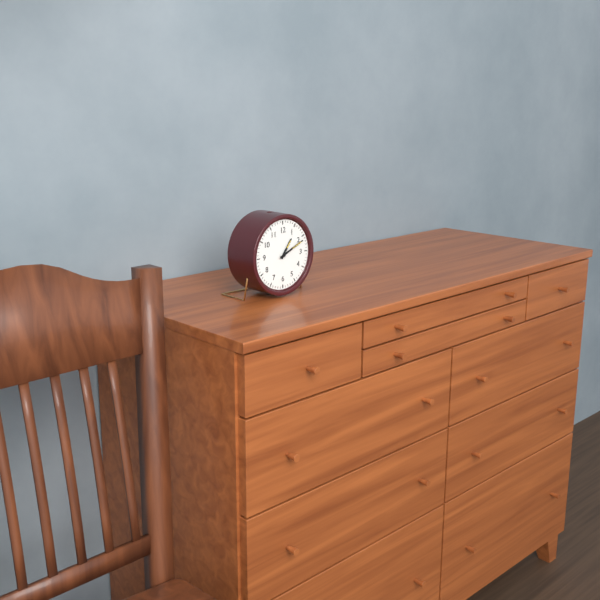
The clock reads 1.11
